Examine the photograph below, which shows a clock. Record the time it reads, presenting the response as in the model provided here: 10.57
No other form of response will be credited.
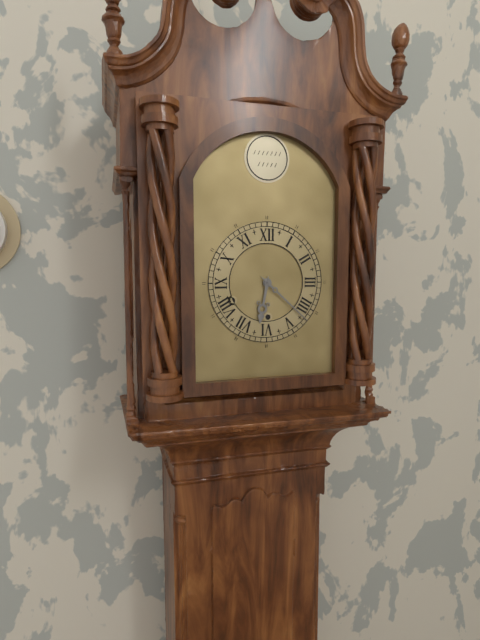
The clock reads 6.22
